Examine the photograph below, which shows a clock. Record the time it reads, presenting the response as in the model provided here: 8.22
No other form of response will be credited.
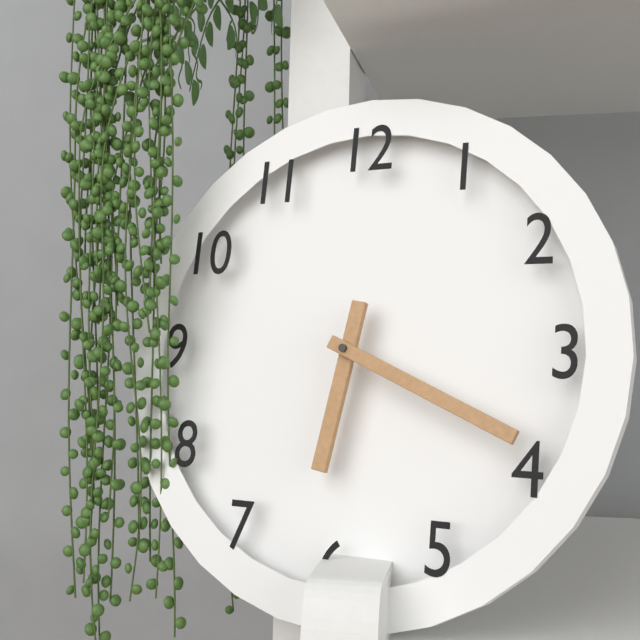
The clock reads 6.19
